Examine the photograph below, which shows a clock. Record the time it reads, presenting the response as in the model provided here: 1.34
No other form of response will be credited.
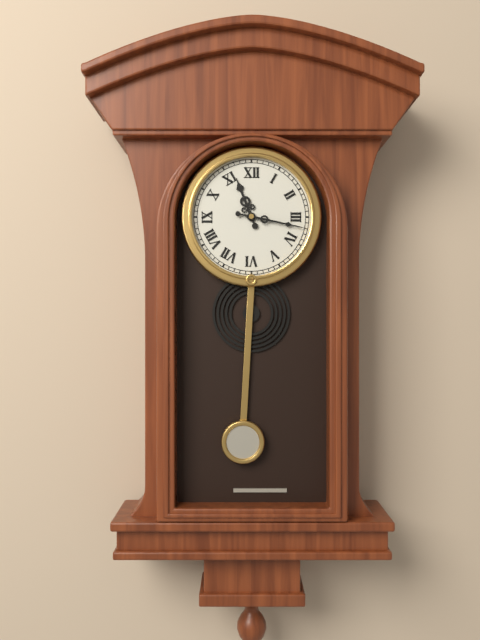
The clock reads 11.17
